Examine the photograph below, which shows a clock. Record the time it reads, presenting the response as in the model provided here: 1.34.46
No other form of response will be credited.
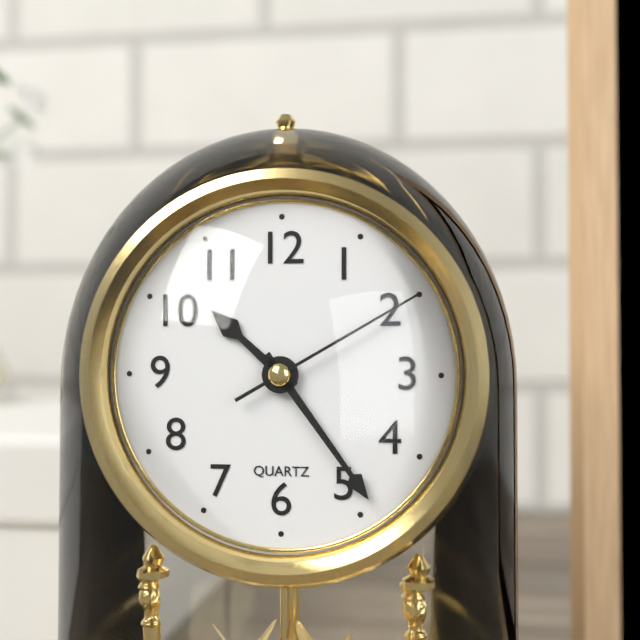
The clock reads 10.24.10
